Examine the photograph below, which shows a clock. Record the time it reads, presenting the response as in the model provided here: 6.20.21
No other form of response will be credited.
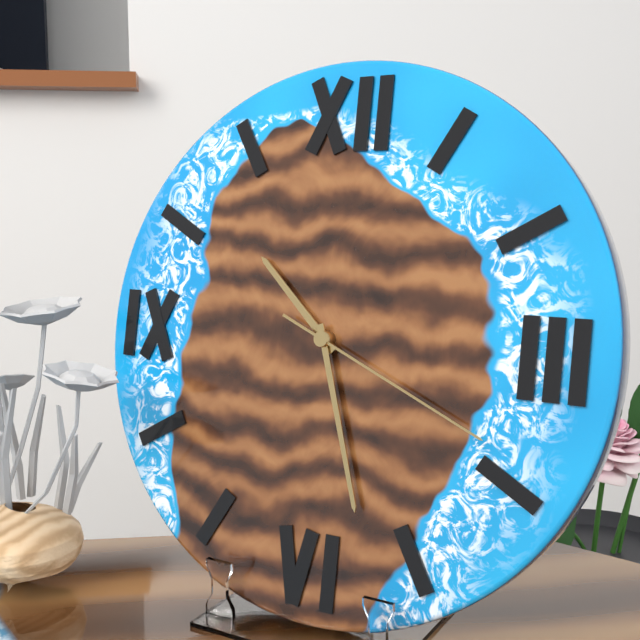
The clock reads 10.27.19
